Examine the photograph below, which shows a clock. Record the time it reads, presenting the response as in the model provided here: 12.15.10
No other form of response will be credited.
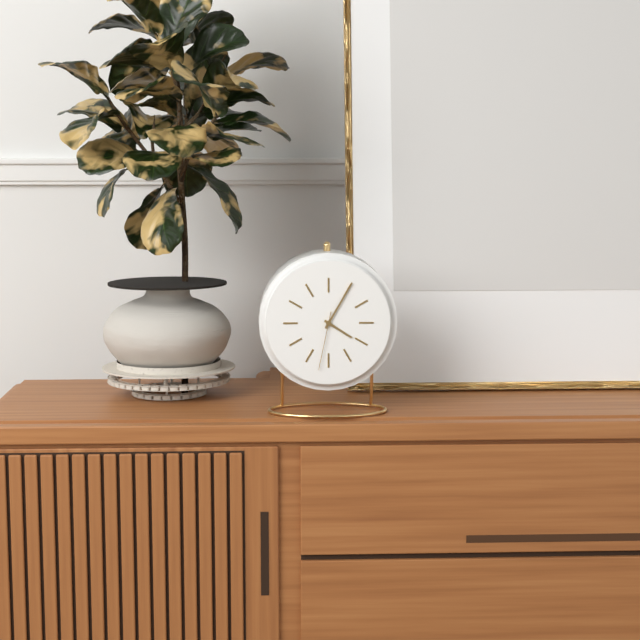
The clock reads 4.05.32
